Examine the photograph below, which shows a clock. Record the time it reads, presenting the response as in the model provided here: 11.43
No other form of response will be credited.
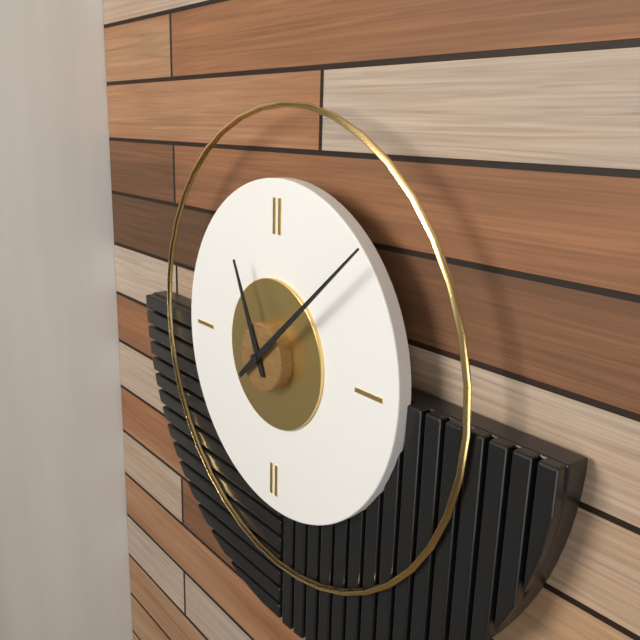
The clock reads 11.08
